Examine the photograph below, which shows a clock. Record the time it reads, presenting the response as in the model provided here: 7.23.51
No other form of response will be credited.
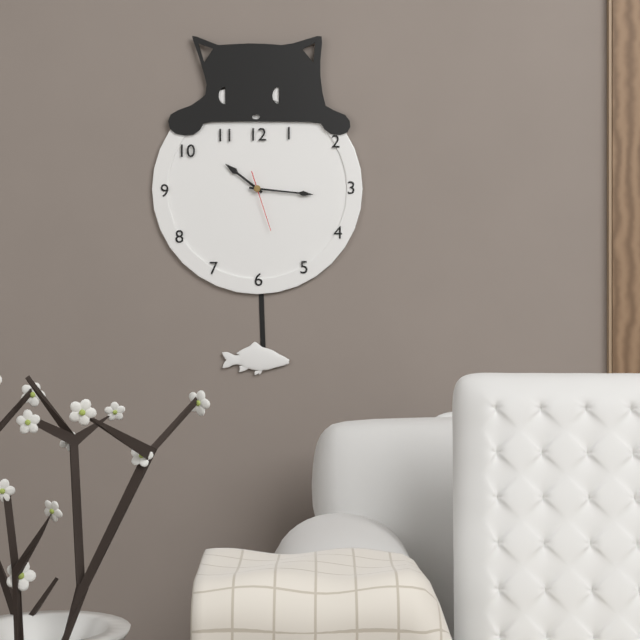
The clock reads 10.16.27
